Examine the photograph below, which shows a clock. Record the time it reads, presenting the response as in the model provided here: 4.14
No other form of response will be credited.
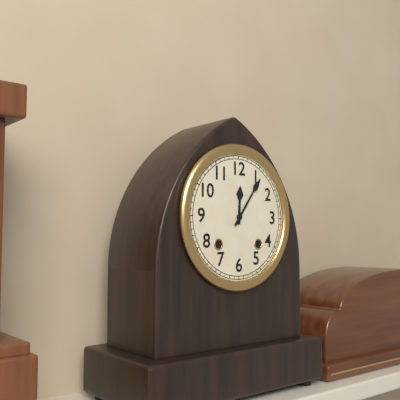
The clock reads 12.06
